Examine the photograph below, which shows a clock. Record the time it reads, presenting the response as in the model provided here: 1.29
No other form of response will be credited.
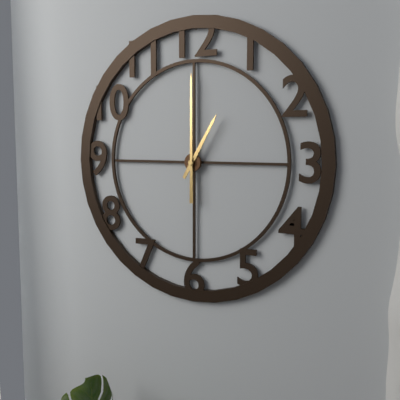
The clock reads 1.00
